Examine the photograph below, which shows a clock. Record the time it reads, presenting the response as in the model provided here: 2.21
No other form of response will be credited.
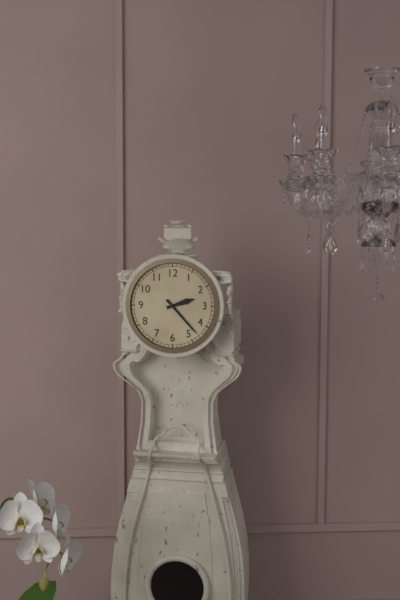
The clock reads 2.23
